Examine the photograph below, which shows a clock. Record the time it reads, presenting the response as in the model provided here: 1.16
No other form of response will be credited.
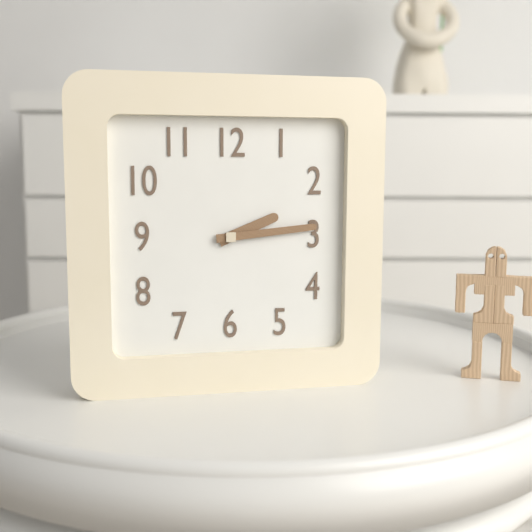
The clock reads 2.14
